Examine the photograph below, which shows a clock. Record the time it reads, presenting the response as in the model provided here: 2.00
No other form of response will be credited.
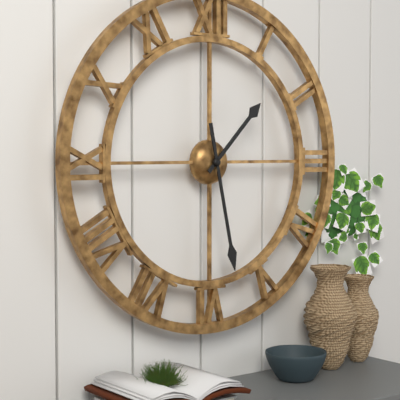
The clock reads 1.28
